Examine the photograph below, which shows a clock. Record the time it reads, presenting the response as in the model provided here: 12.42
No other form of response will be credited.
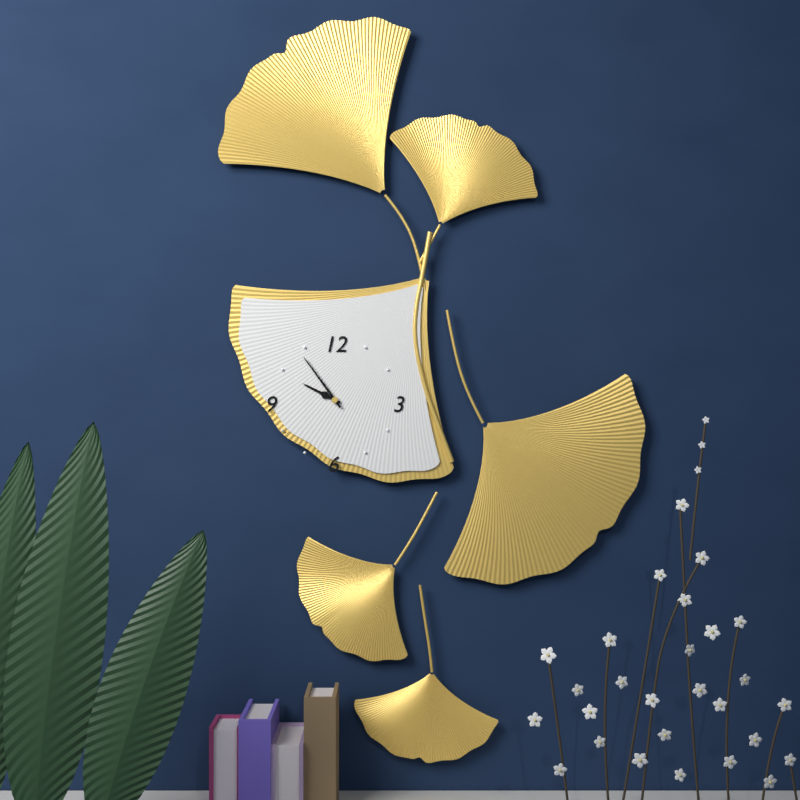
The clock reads 9.54
